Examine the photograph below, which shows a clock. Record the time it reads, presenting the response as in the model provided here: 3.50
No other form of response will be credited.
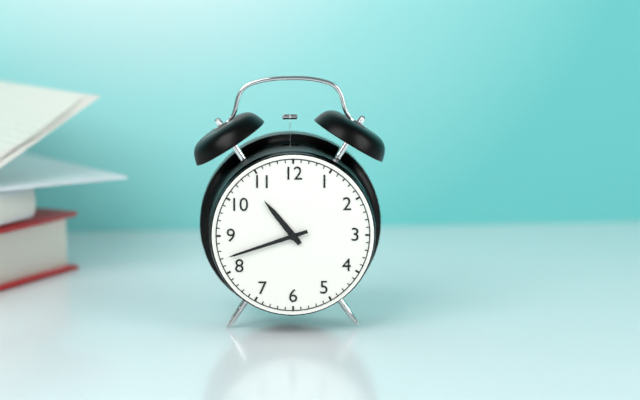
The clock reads 10.42
